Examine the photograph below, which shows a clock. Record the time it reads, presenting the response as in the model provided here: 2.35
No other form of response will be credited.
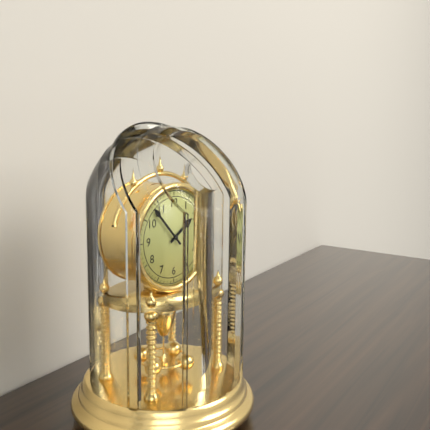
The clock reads 1.53
